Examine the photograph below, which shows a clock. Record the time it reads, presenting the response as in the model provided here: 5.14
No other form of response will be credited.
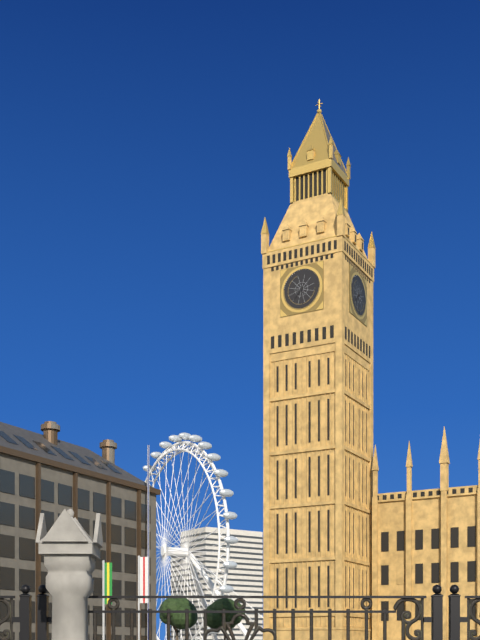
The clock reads 7.29
